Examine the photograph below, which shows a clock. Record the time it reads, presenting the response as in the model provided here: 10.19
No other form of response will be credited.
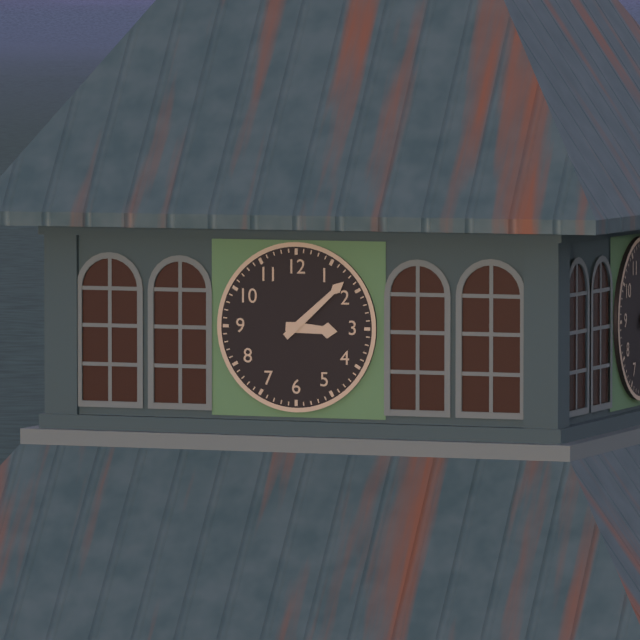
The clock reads 3.08
